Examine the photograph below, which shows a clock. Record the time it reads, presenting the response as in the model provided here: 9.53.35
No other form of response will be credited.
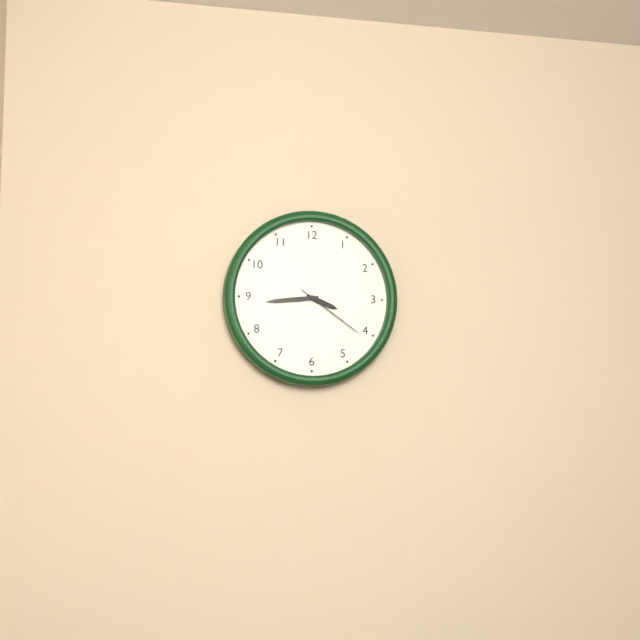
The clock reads 3.44.21
